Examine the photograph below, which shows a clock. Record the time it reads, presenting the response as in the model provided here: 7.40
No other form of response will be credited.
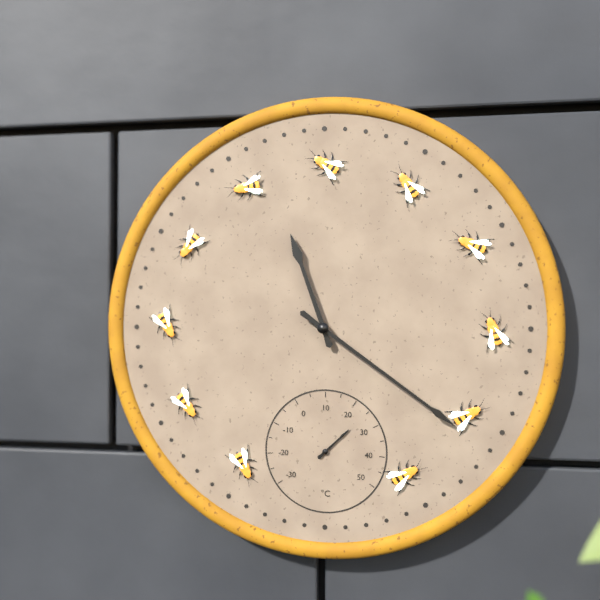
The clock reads 11.21
